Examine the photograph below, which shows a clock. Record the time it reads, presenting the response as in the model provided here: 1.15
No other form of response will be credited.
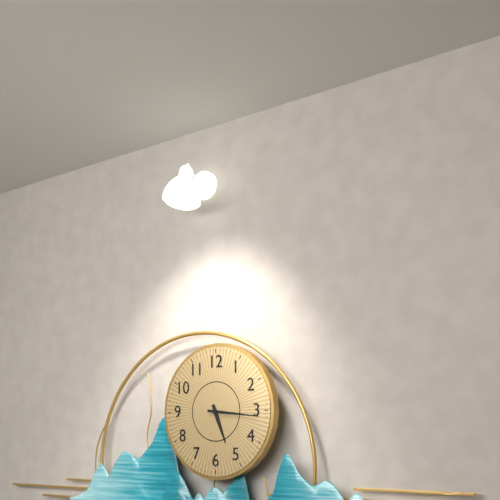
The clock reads 5.16
